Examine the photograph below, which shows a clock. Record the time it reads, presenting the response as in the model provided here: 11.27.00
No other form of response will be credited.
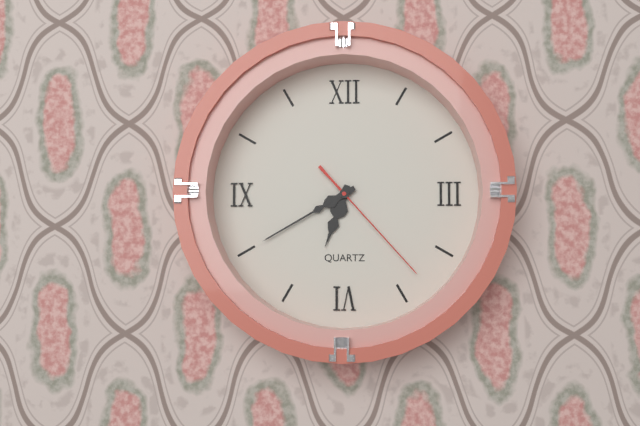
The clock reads 6.40.23
